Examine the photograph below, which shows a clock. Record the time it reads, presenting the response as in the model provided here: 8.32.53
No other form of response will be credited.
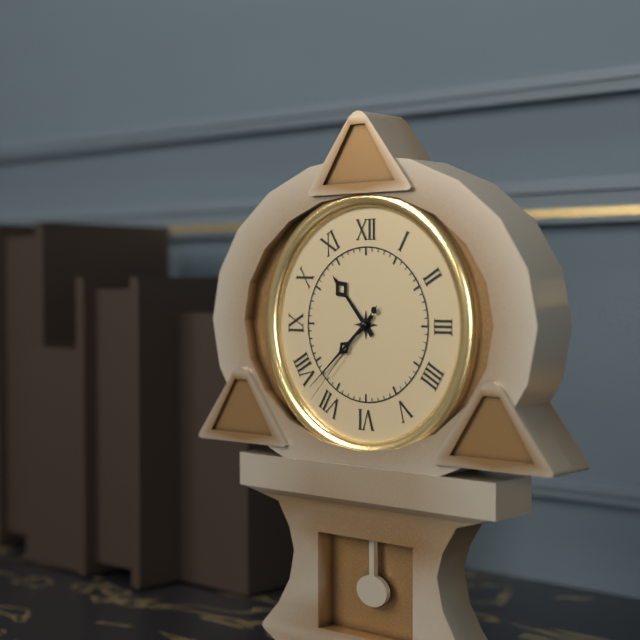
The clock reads 10.38.37
